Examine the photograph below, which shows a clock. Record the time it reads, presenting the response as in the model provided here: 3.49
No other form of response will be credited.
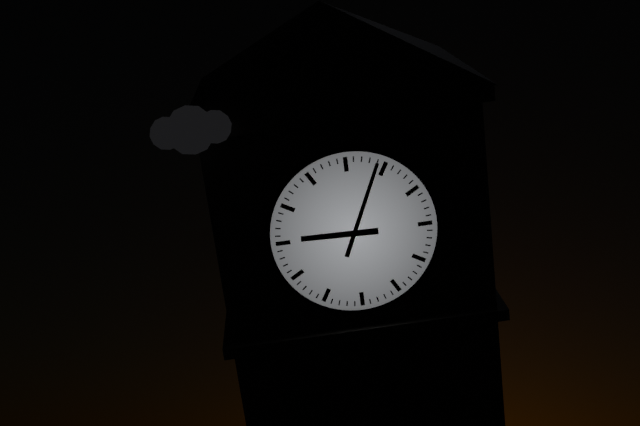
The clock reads 9.04
